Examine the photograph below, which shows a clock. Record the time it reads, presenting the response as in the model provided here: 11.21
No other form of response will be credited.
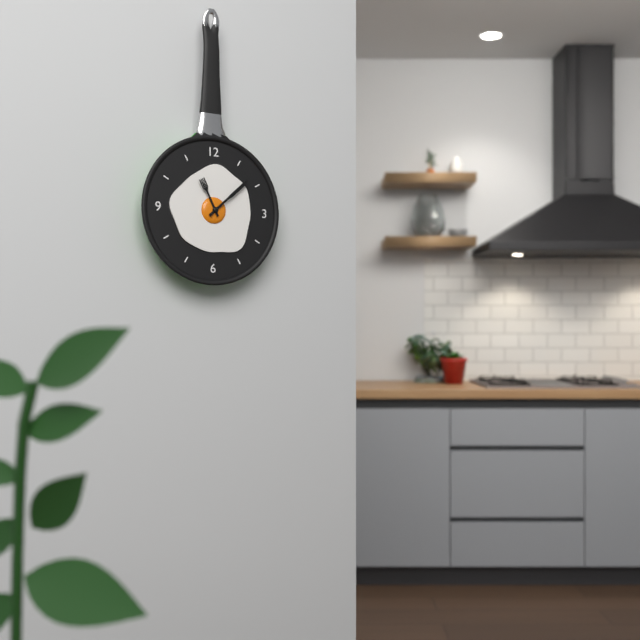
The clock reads 11.08
